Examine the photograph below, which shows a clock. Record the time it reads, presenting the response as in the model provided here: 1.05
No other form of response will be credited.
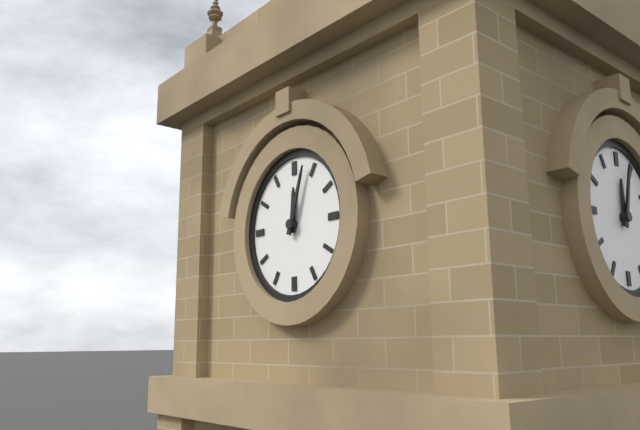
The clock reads 12.03
